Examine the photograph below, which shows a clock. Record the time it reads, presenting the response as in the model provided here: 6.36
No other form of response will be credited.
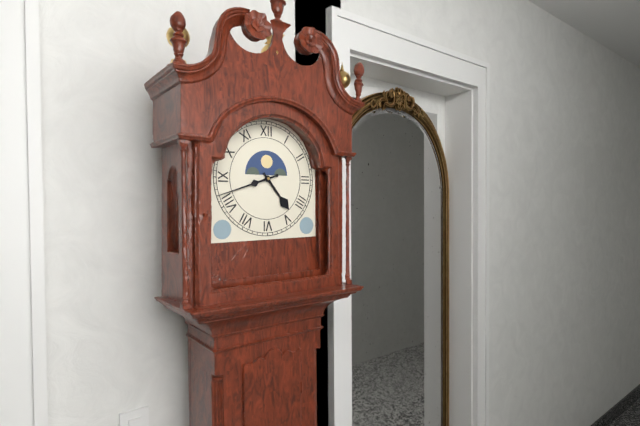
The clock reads 4.42
